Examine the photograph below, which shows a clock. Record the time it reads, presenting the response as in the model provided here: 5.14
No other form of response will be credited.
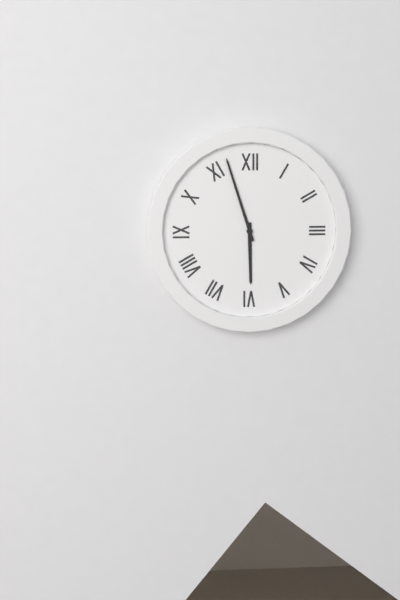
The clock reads 5.57
